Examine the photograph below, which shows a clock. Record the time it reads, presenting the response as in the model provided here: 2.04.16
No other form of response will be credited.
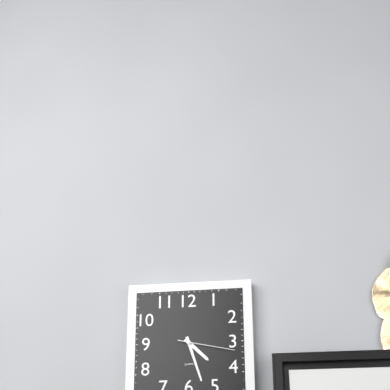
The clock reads 4.27.17
